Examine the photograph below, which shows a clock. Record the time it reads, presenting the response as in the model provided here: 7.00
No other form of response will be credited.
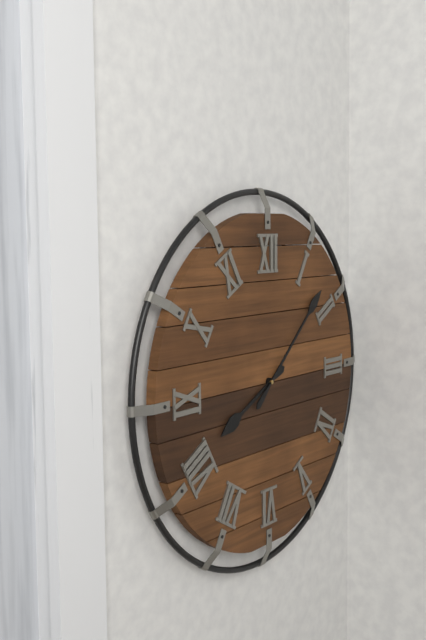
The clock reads 8.08
